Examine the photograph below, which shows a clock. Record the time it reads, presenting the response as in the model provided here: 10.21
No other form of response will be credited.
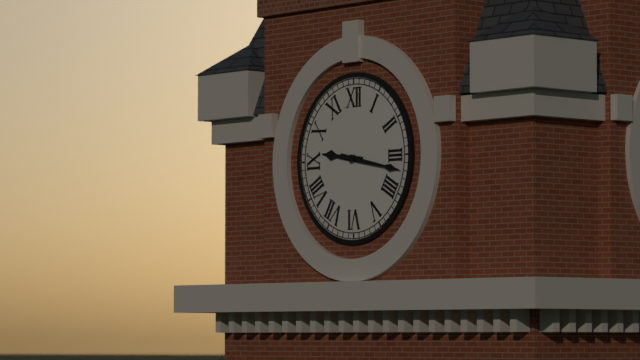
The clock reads 9.17
